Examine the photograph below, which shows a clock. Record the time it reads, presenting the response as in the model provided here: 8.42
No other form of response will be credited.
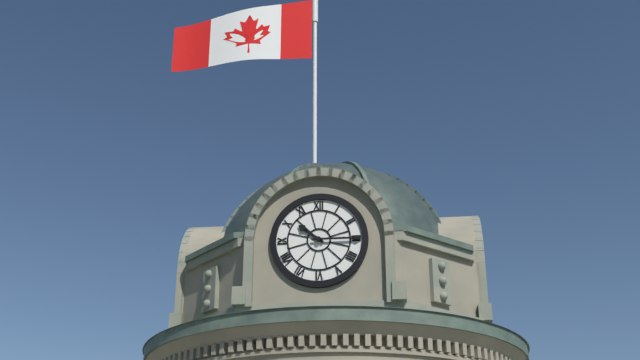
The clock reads 10.15
